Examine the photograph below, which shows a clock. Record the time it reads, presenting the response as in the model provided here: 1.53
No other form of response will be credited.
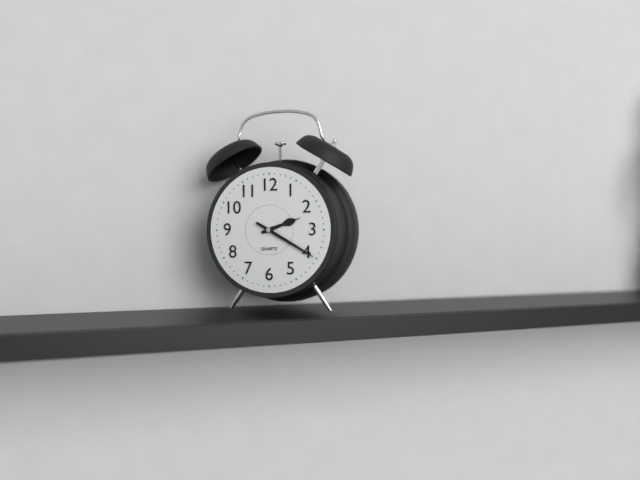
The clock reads 2.20
